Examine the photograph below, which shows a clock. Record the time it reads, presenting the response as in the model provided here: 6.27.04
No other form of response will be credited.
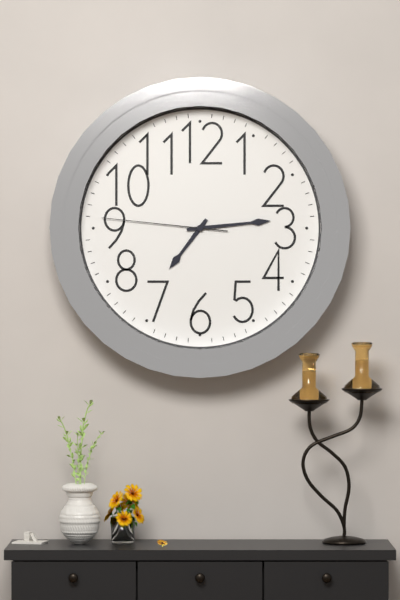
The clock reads 7.14.46
